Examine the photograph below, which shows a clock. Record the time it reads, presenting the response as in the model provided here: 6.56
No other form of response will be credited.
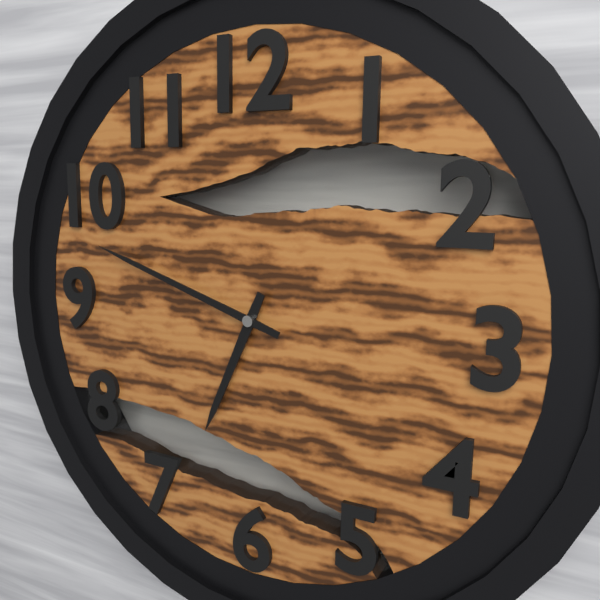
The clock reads 6.48
